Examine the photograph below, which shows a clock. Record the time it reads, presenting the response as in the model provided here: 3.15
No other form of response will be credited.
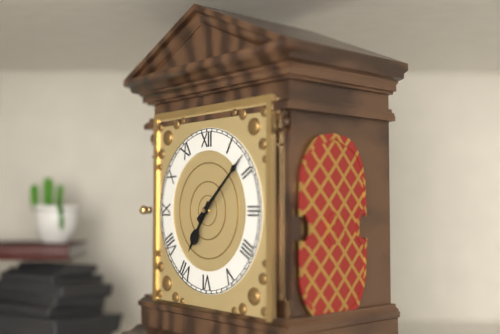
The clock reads 7.08
